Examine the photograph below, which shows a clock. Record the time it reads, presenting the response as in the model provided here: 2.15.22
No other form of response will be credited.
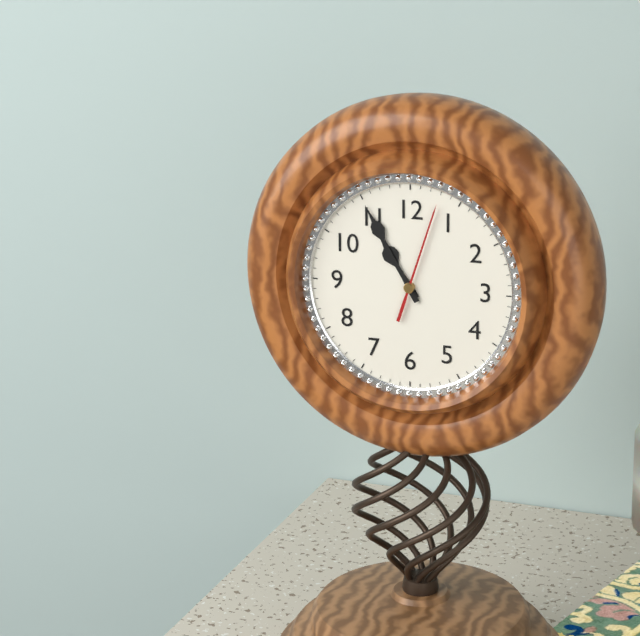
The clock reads 10.55.03
